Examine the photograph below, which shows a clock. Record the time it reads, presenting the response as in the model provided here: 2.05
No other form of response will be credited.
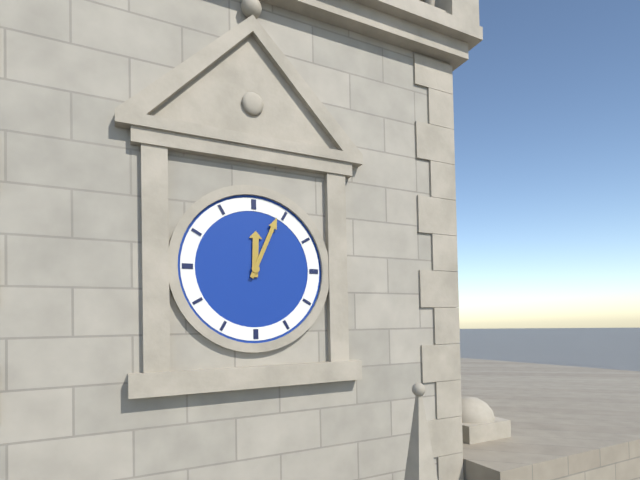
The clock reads 12.04
